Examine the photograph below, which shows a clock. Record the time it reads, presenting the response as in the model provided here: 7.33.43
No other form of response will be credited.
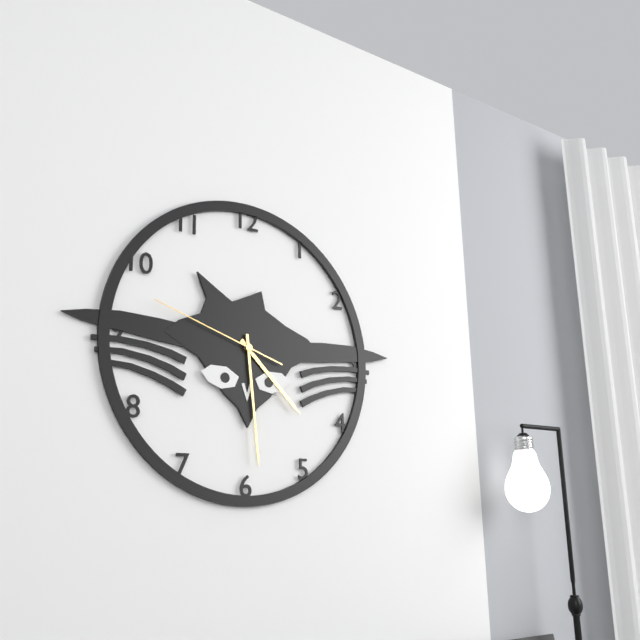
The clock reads 4.29.48
